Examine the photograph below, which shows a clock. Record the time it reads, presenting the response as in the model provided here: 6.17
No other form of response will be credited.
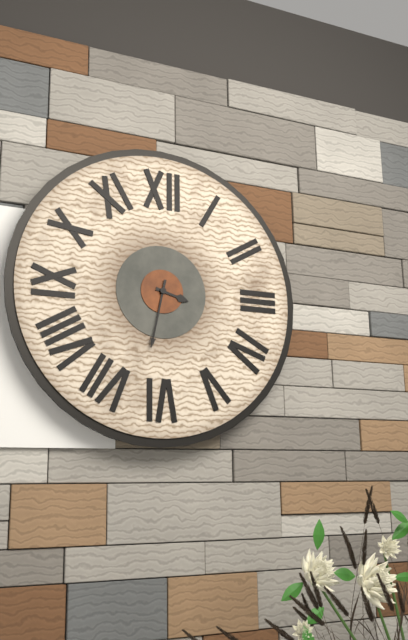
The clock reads 3.32
